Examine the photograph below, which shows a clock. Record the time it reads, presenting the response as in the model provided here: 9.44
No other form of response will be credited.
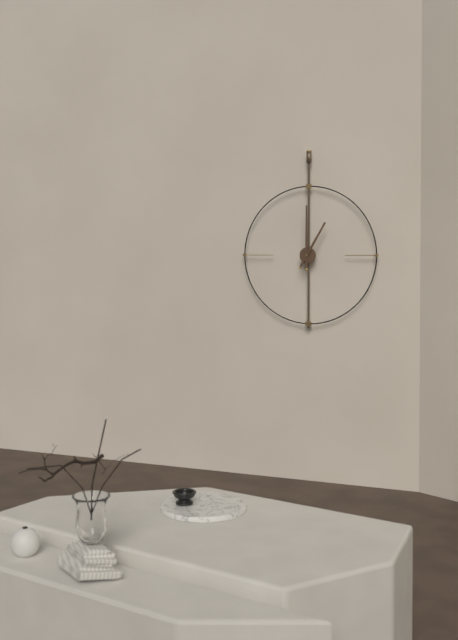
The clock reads 1.00
